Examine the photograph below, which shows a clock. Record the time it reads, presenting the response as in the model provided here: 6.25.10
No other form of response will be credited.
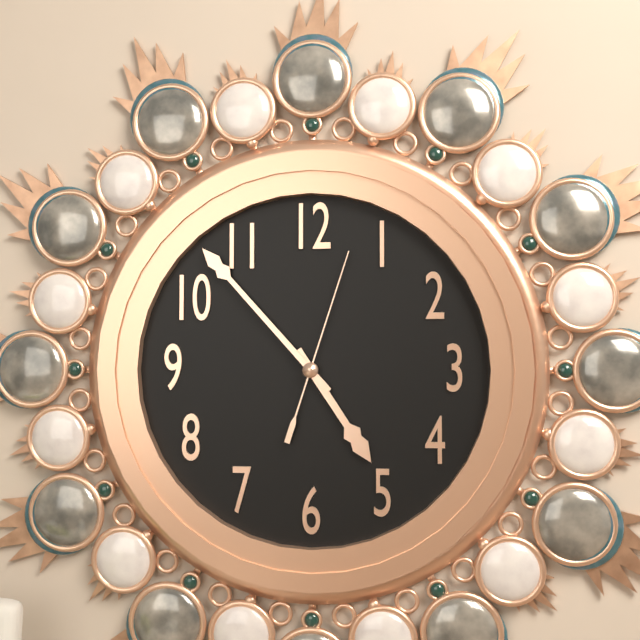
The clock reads 4.53.03
